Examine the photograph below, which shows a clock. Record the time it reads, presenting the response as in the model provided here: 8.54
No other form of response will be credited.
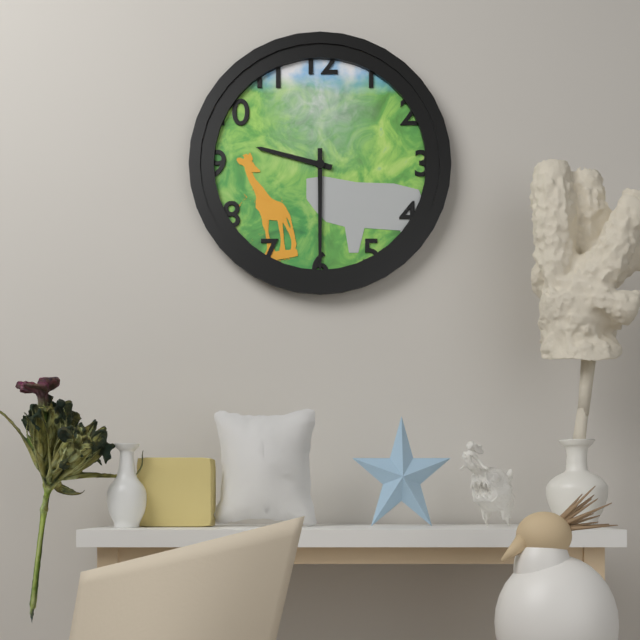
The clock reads 9.30
